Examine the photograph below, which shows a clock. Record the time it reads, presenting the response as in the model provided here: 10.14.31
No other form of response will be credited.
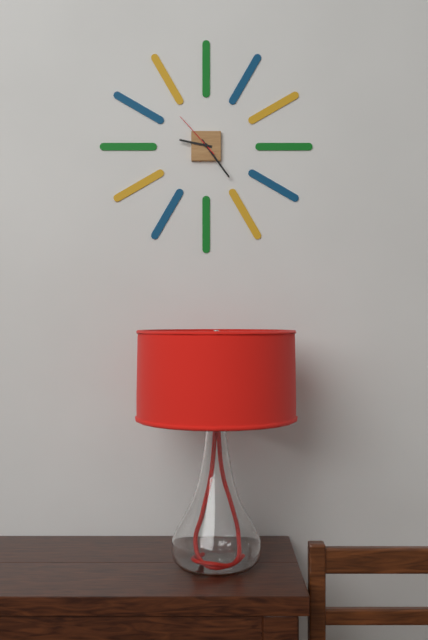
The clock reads 9.24.53
